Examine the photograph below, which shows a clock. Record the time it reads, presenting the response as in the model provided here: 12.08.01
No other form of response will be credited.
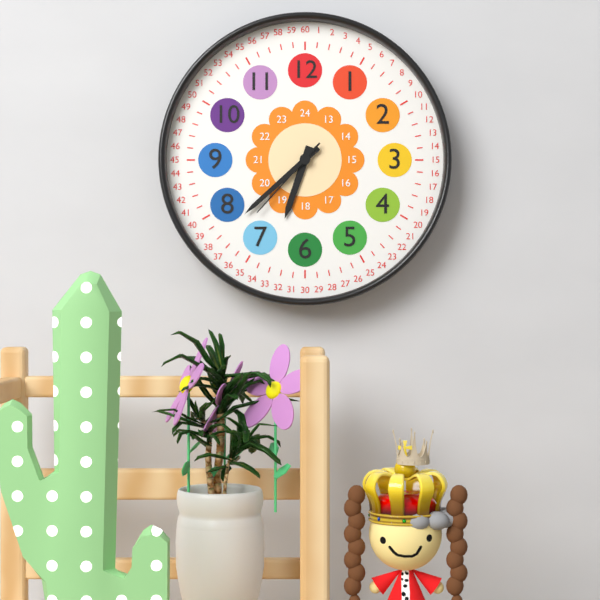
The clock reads 6.38.37
